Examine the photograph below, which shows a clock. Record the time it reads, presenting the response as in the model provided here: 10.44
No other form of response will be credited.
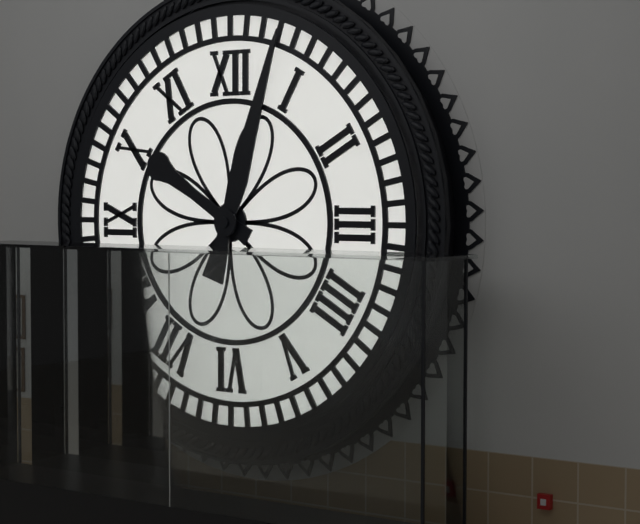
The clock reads 10.03
